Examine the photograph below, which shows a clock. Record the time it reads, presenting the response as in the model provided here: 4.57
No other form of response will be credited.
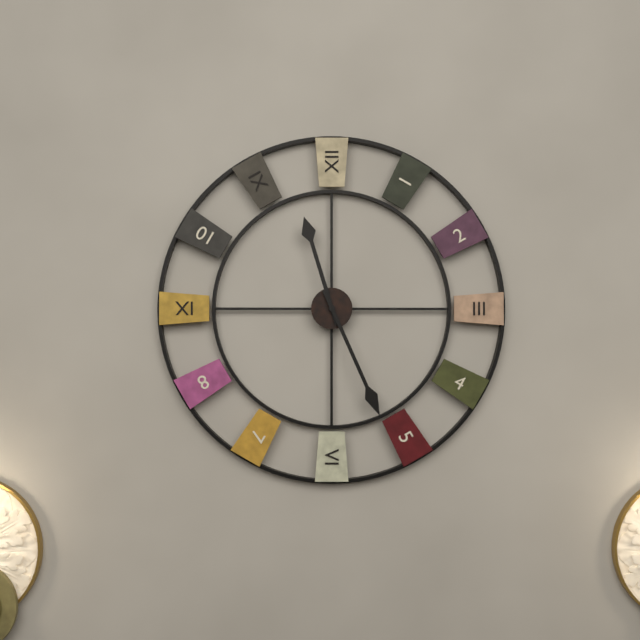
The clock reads 11.26
